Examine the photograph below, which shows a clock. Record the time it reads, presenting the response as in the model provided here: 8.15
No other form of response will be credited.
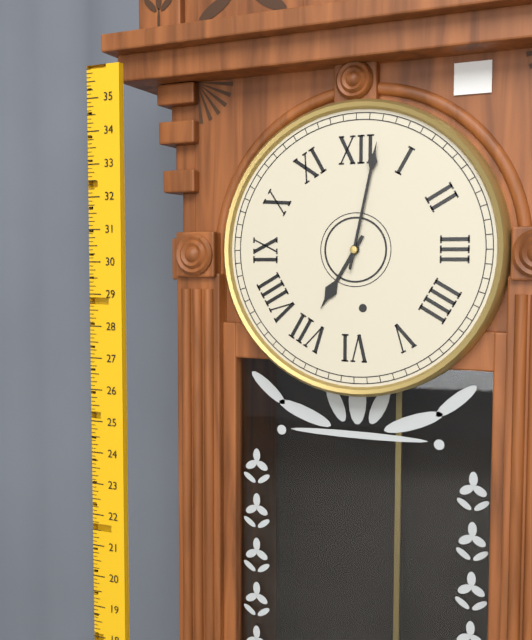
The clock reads 7.02
